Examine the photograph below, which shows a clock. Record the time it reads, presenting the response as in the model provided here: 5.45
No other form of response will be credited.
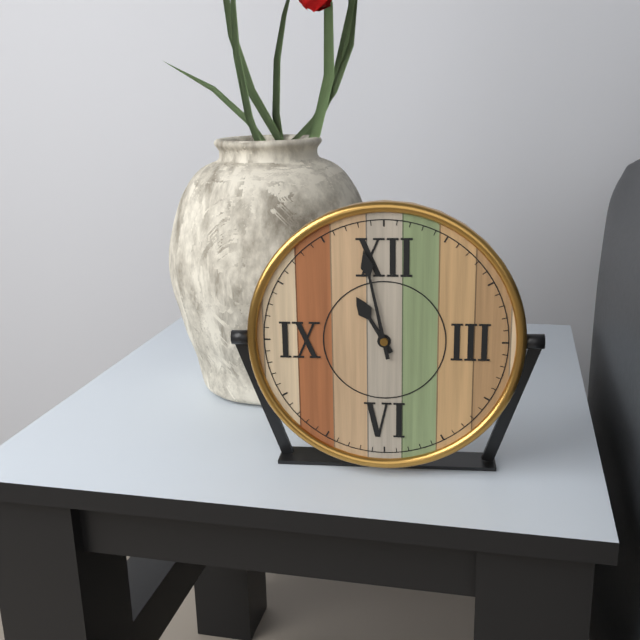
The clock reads 10.58
